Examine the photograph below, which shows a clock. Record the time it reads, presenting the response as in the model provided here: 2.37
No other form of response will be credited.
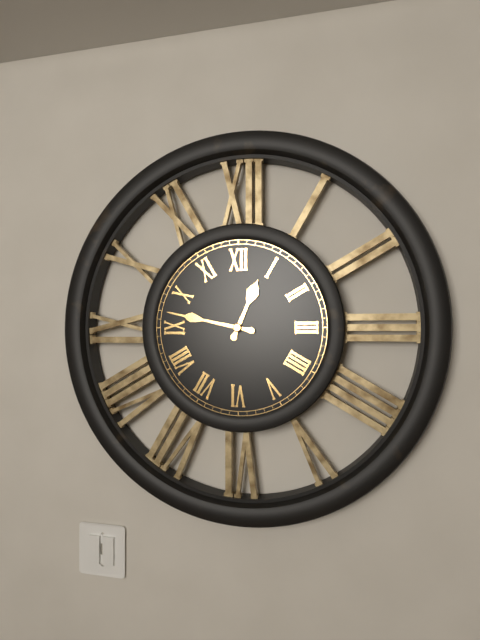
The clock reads 12.47
